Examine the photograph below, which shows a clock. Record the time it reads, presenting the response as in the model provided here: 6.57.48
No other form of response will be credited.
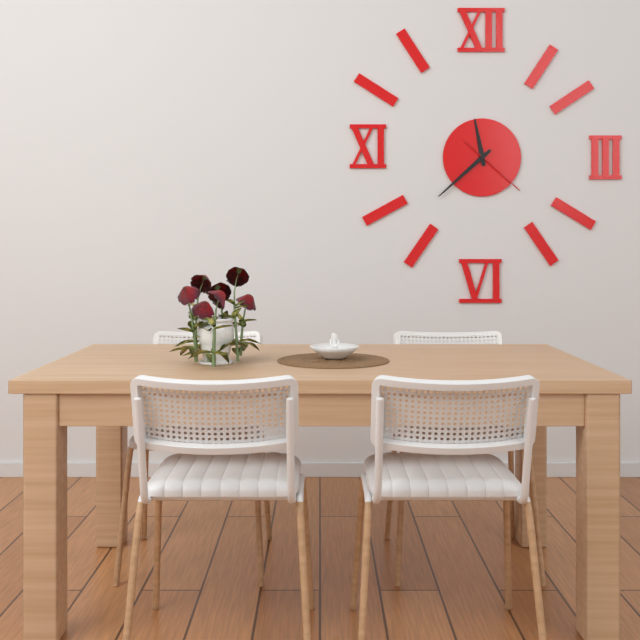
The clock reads 11.38.22
